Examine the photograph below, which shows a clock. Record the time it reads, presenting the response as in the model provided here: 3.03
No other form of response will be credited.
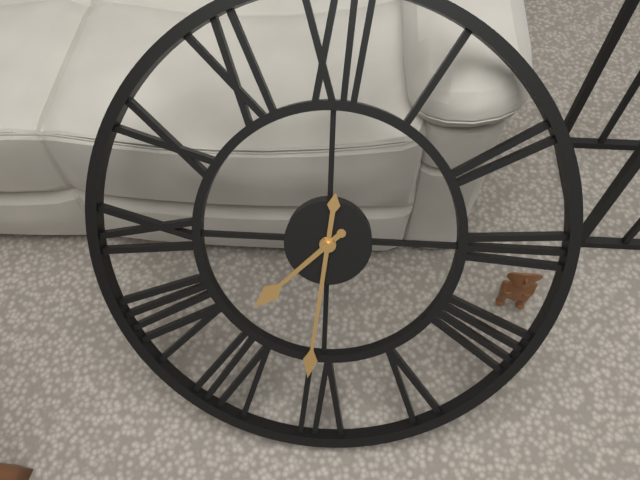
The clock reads 7.31
